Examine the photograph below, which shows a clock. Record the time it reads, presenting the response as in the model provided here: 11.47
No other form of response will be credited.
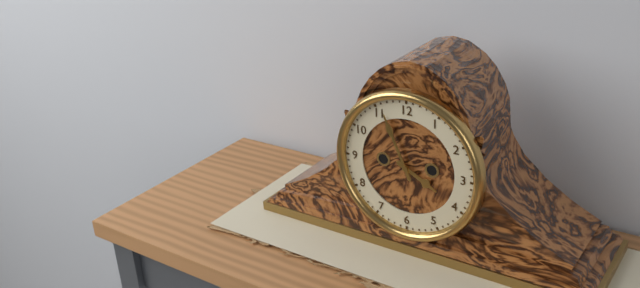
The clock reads 3.56
